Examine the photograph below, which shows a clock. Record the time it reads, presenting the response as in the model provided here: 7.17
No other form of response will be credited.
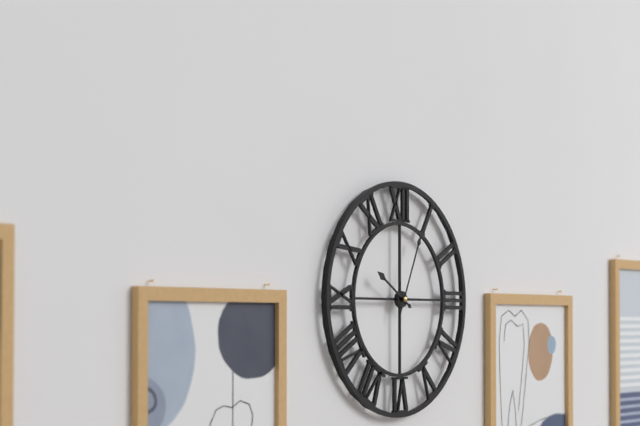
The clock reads 10.04
